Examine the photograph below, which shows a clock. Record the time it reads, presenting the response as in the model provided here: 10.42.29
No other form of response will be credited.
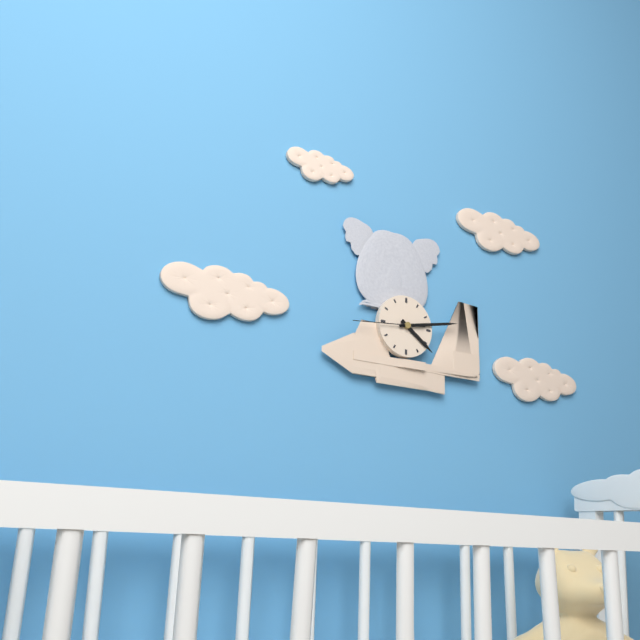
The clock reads 4.13.44
